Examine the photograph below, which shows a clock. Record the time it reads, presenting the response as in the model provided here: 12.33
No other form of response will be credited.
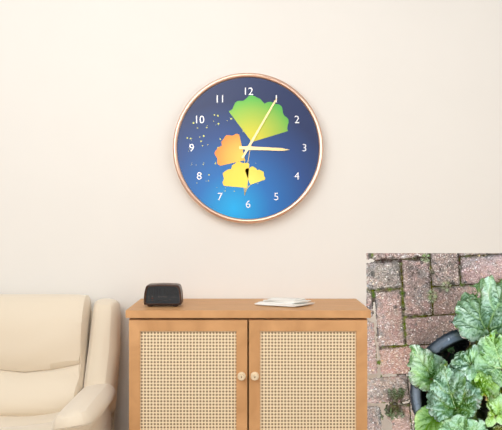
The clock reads 3.05
